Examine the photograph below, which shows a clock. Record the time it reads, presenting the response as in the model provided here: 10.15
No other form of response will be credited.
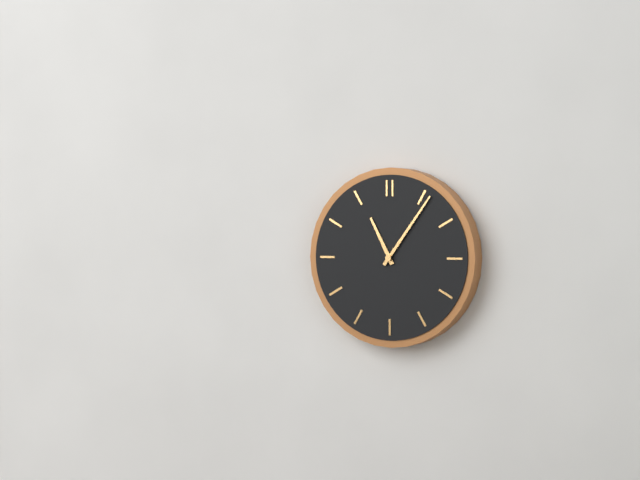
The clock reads 11.06
